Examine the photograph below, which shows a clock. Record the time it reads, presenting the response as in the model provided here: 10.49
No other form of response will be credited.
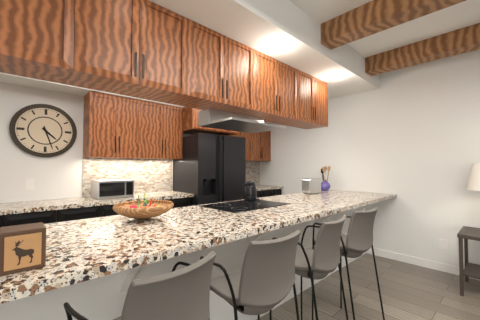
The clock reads 4.27
